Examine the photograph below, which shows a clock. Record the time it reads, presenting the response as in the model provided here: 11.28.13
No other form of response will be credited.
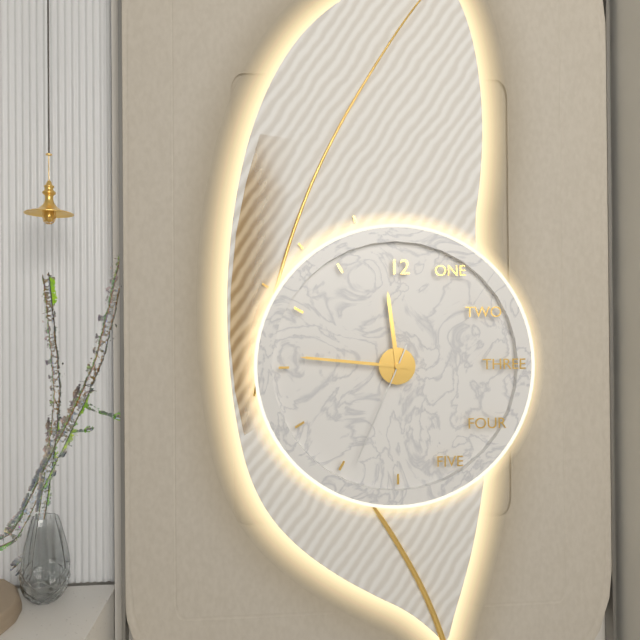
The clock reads 11.46.34
